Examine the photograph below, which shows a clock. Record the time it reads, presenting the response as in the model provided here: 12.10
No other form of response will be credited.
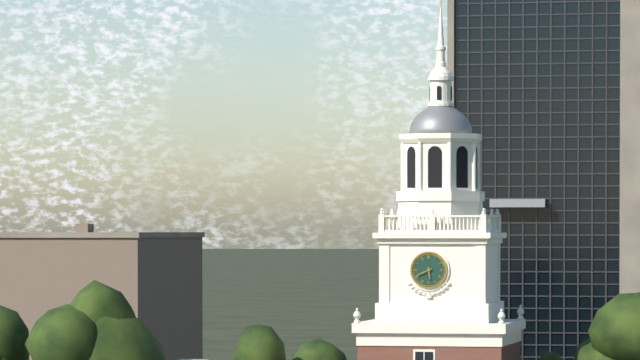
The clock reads 5.41
